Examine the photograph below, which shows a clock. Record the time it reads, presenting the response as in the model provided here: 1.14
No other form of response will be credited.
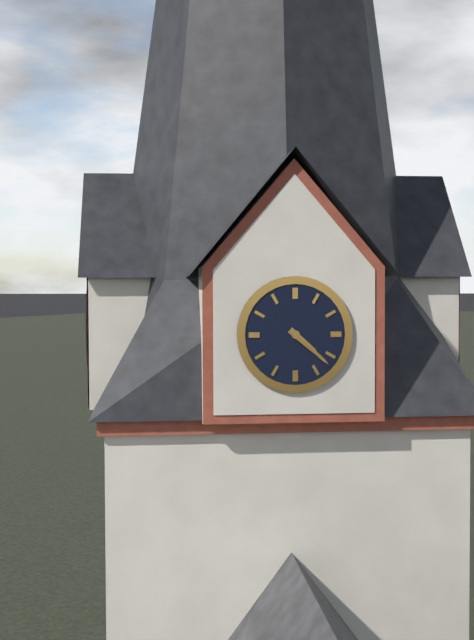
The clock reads 4.22
